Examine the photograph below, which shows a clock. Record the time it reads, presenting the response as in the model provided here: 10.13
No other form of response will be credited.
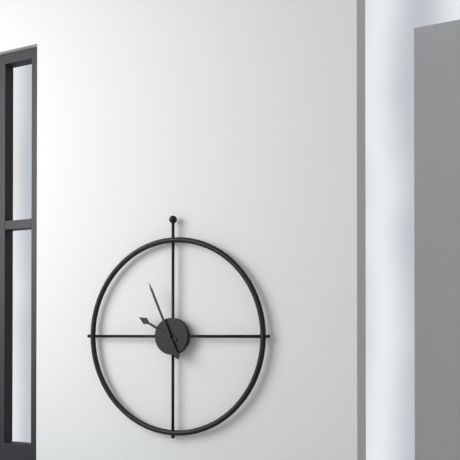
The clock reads 9.56
